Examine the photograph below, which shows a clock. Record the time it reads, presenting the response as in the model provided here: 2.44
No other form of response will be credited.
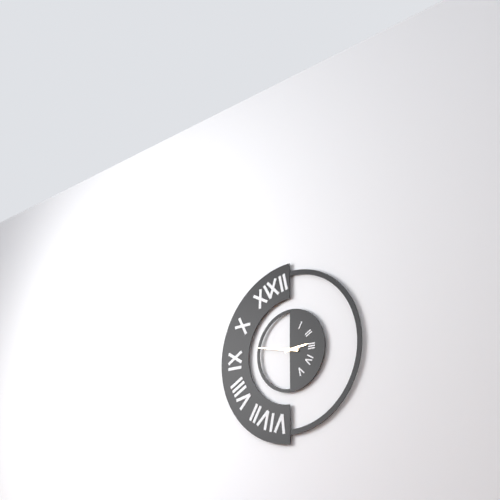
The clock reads 2.47
